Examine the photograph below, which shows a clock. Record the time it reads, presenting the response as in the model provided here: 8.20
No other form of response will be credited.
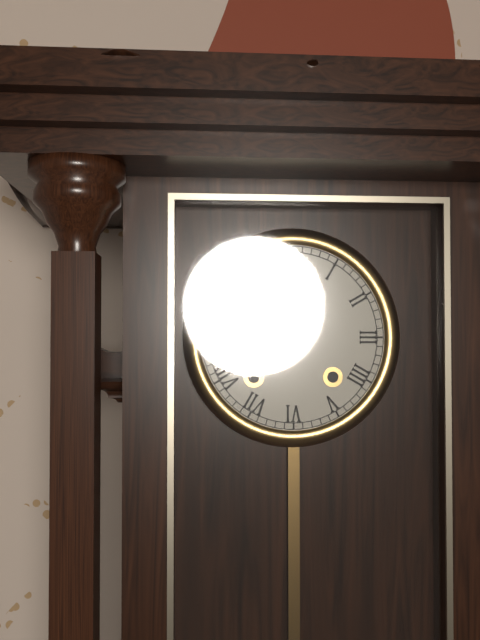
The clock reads 8.56
